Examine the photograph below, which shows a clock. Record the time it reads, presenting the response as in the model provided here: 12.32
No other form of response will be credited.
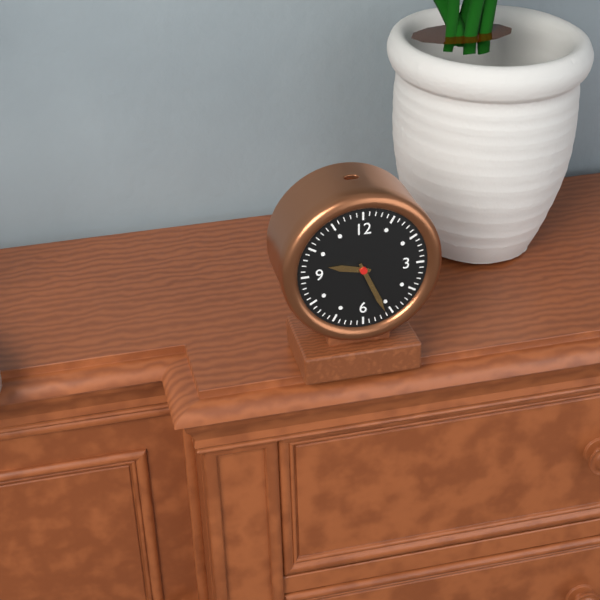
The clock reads 9.26
